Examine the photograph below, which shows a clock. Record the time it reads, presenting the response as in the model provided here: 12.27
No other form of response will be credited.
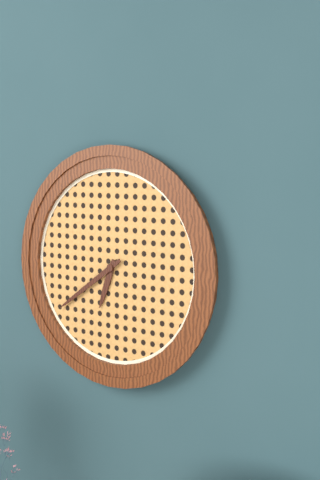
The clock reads 6.39
